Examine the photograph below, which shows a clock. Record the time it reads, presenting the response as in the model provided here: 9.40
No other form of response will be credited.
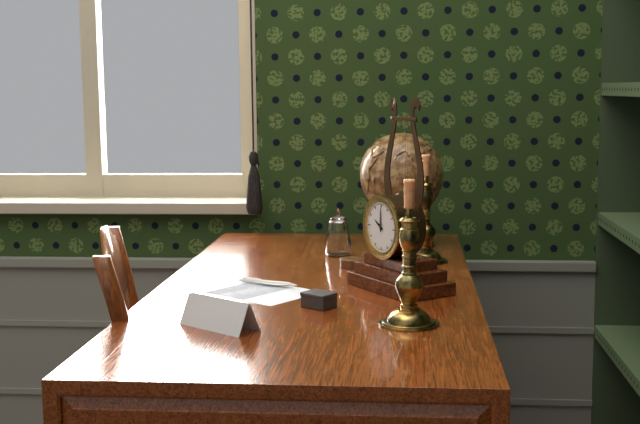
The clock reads 10.00
